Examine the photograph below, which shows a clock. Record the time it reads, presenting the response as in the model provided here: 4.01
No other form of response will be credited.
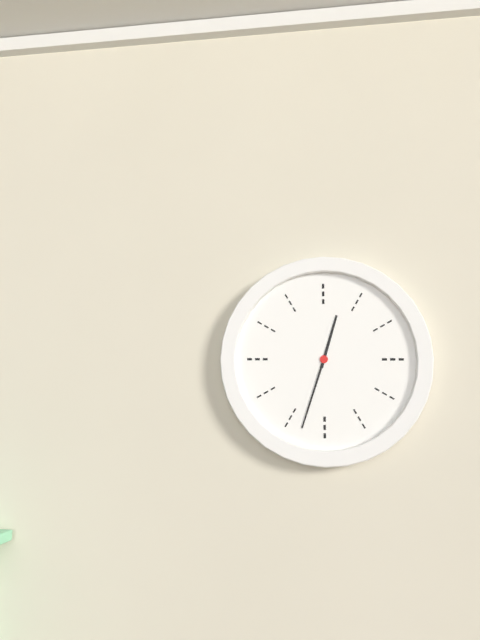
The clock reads 12.33
